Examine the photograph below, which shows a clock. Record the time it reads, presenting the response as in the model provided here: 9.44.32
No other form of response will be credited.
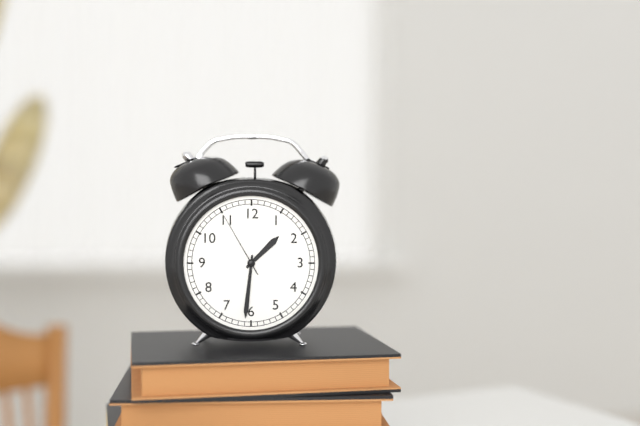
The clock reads 1.31.55
